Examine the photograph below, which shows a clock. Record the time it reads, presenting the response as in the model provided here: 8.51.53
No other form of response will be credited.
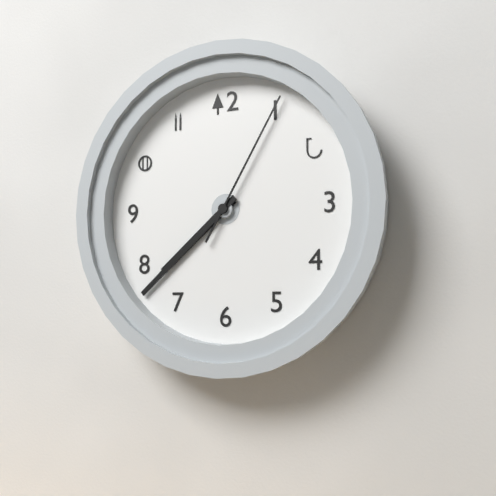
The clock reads 7.38.05
